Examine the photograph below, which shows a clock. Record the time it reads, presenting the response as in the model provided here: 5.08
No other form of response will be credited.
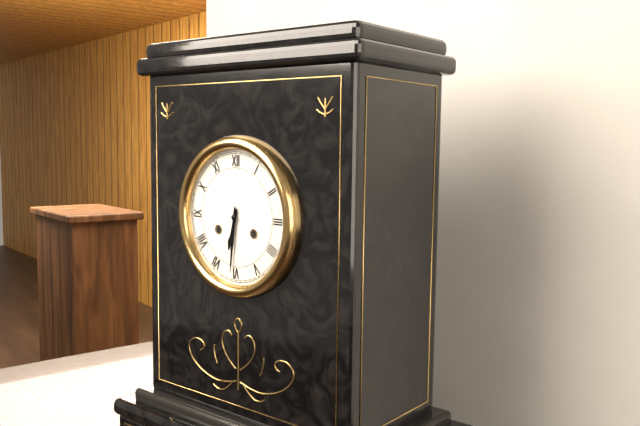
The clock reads 6.31
